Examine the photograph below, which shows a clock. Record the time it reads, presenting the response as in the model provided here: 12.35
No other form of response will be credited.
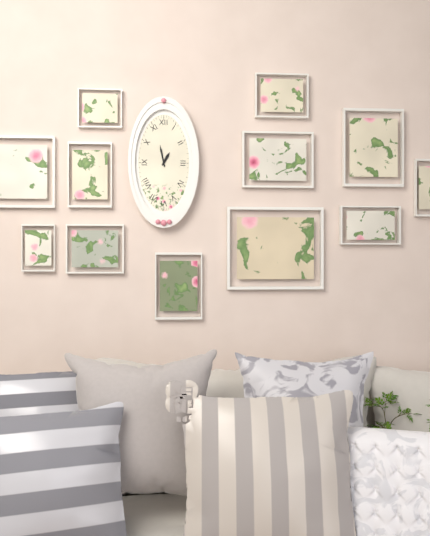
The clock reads 12.58
